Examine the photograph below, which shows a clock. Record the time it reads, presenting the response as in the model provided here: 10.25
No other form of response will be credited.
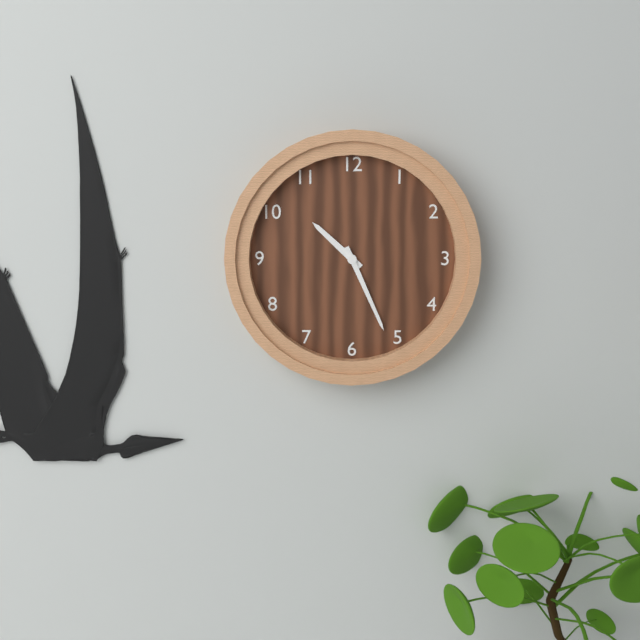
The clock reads 10.26
